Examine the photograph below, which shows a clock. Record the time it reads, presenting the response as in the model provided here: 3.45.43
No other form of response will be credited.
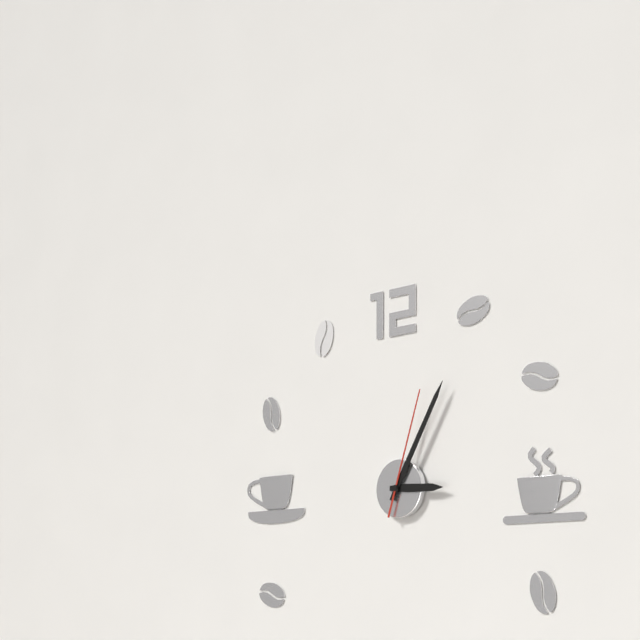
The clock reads 3.05.03
